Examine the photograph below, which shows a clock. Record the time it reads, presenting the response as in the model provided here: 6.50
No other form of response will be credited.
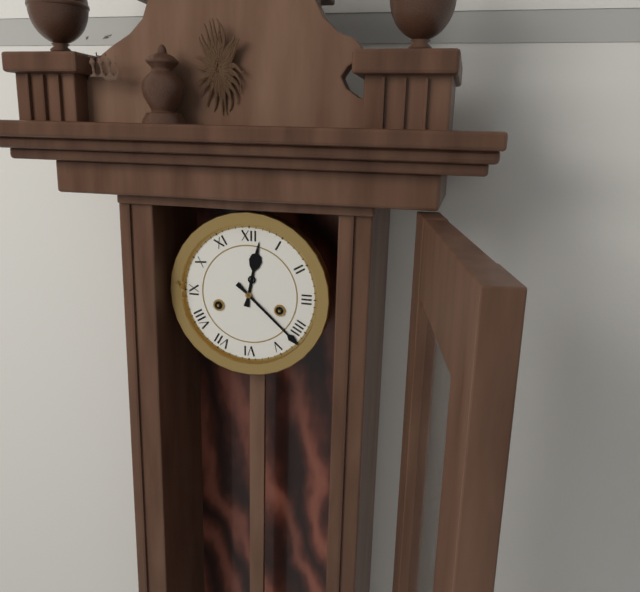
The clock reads 12.22
